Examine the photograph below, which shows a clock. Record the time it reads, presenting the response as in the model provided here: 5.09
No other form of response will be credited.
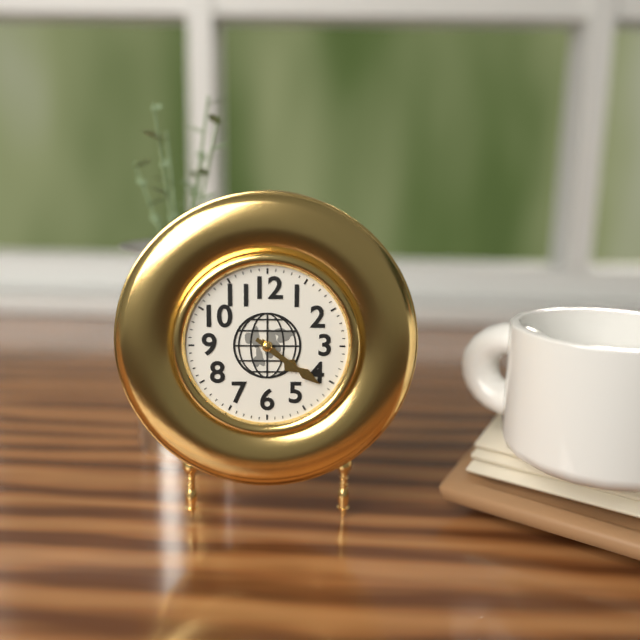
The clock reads 4.21
